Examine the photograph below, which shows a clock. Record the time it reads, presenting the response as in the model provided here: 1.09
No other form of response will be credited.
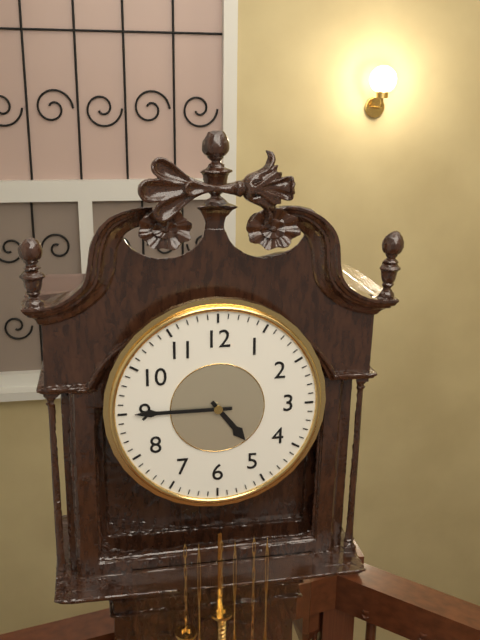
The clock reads 4.45
